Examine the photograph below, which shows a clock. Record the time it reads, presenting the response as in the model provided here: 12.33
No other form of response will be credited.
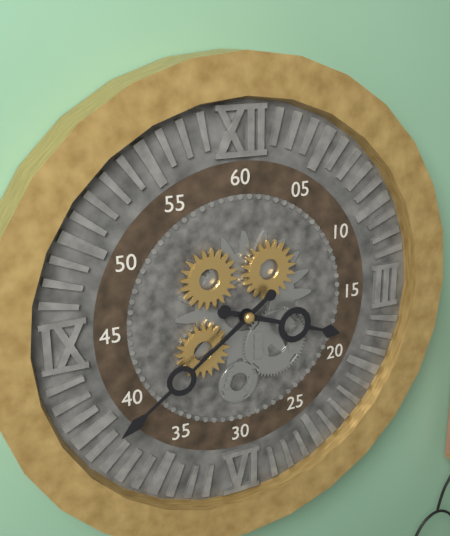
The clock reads 3.39
